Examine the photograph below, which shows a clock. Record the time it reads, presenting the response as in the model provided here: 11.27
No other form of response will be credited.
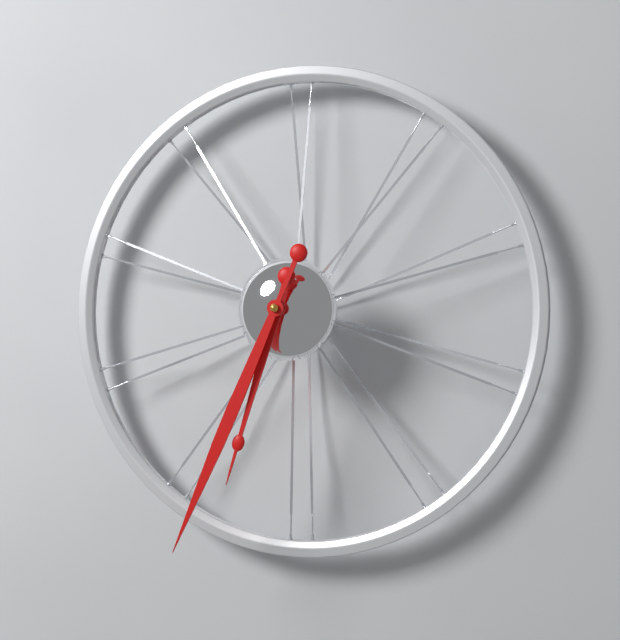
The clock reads 6.34
